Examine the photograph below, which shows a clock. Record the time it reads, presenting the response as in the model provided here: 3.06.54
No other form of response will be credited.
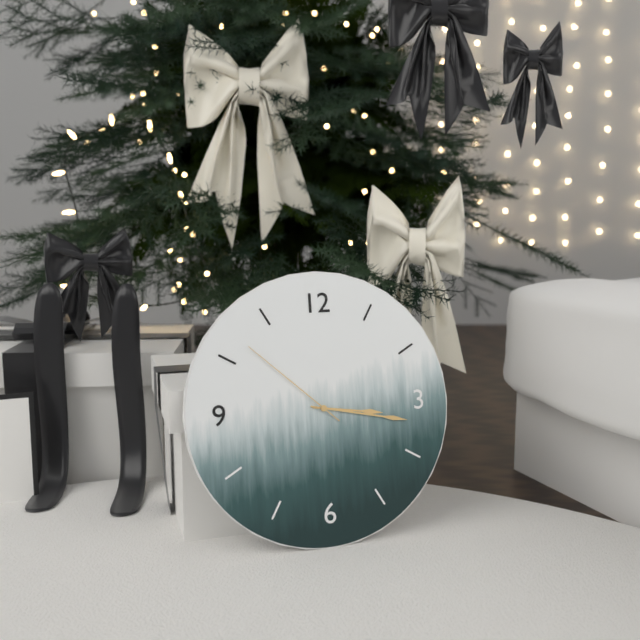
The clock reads 3.17.52
